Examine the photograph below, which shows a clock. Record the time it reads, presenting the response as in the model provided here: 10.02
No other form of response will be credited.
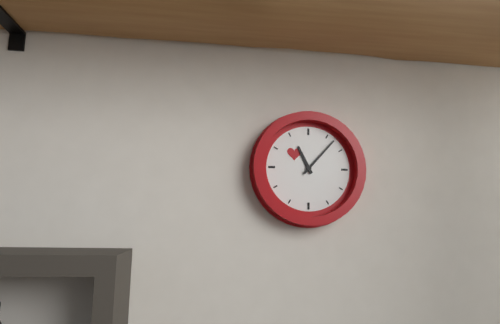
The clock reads 11.07
